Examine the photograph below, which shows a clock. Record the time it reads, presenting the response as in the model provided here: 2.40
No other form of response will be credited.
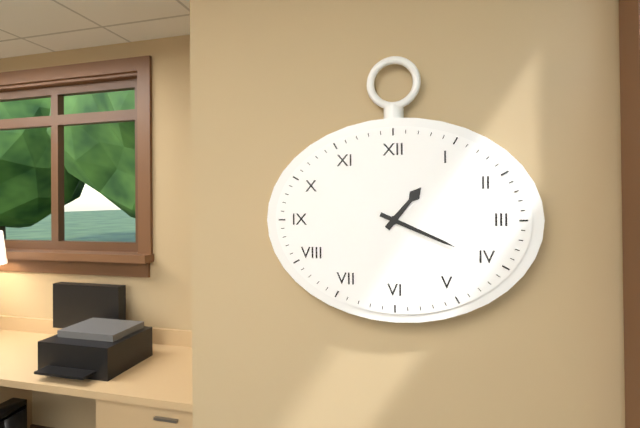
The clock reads 1.19
